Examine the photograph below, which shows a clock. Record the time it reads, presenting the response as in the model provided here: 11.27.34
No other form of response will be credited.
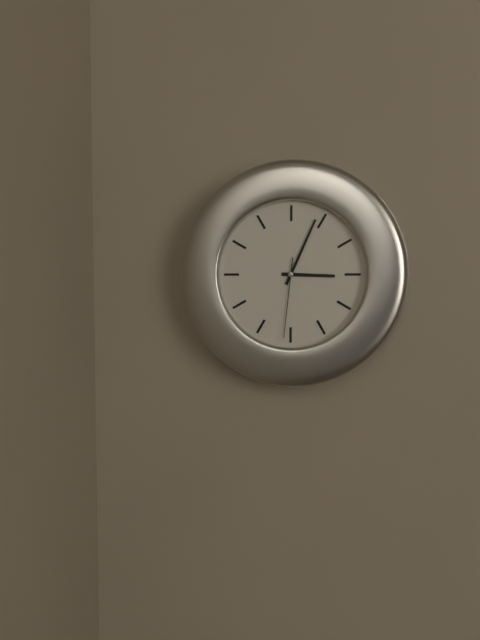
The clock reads 3.04.31
